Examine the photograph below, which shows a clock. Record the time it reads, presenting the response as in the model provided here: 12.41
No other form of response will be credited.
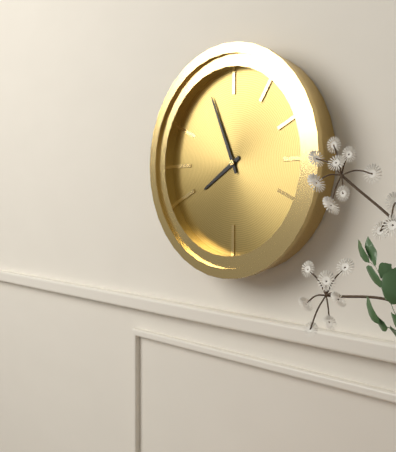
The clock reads 7.56
